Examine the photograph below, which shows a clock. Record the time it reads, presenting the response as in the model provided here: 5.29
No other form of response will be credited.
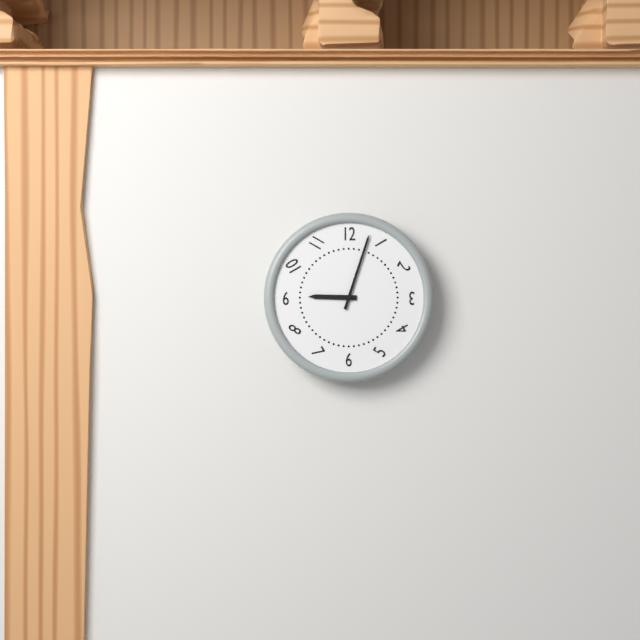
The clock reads 9.03
